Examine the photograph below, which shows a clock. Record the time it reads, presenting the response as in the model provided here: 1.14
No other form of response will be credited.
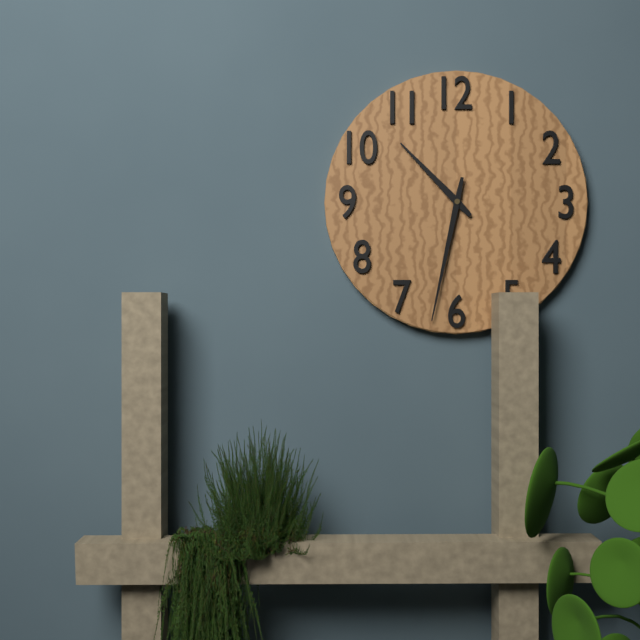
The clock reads 10.32
